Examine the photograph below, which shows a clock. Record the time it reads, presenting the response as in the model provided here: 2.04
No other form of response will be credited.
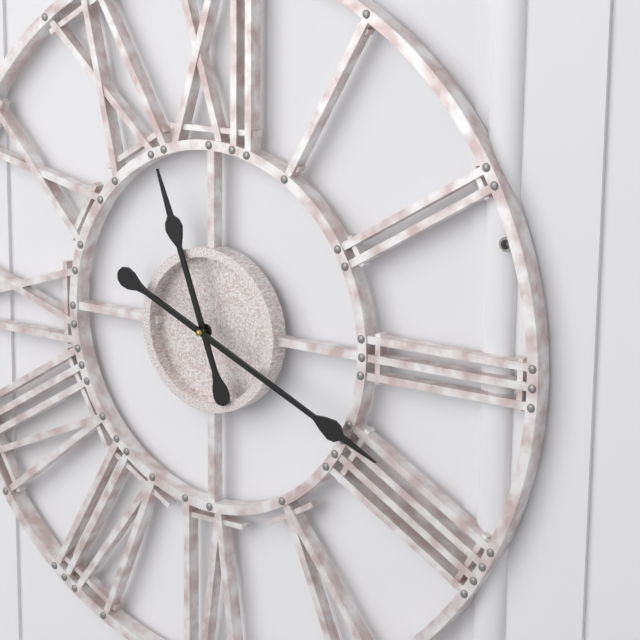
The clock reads 11.19
